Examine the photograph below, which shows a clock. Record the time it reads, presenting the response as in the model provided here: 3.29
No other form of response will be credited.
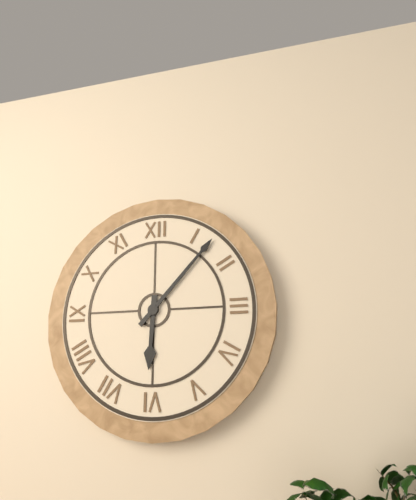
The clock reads 6.07
